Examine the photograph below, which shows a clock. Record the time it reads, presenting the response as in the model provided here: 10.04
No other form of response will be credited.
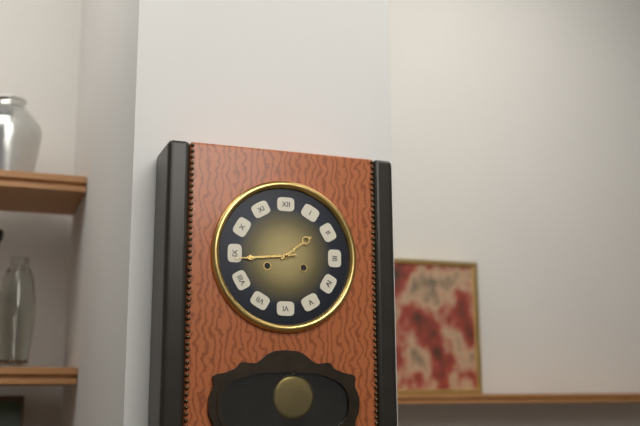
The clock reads 1.44
